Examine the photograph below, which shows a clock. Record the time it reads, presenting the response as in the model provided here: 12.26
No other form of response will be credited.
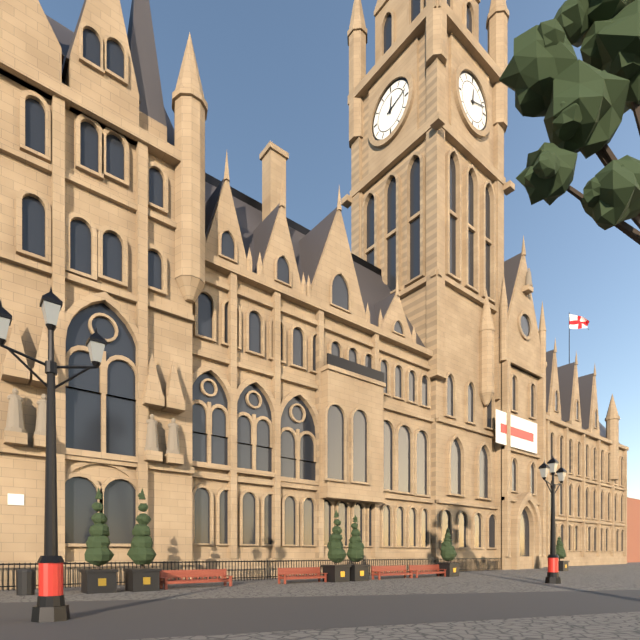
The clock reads 12.12
